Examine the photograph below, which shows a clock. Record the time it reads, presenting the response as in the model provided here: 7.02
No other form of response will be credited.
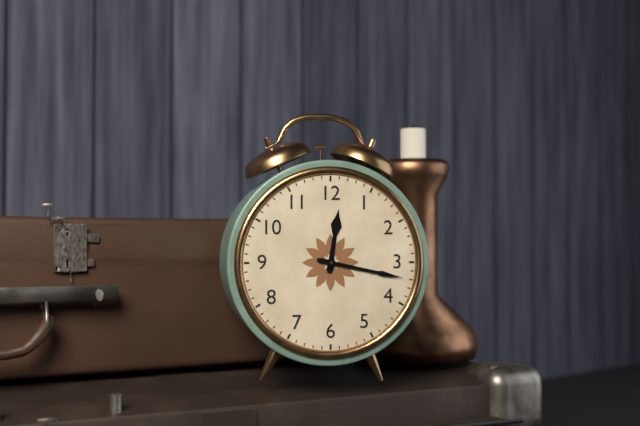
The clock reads 12.17
